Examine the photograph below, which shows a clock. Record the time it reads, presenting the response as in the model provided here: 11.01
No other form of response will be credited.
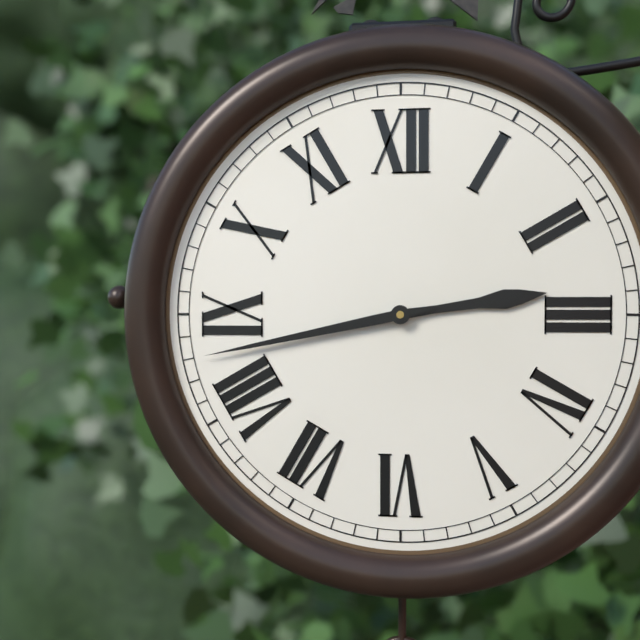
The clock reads 2.43
